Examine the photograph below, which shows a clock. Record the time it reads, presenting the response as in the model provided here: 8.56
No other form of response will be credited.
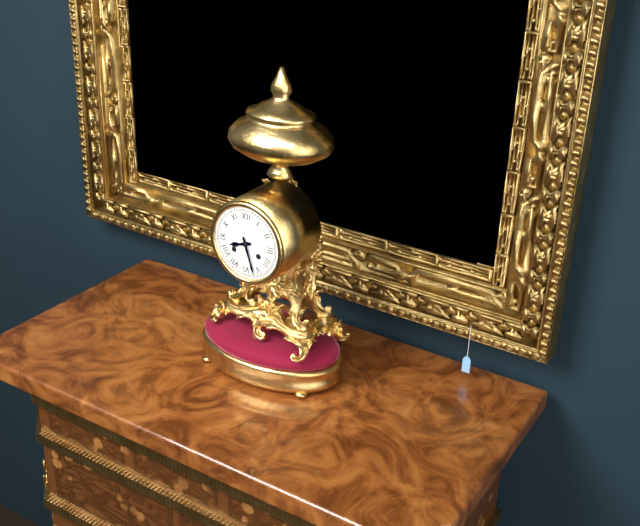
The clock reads 8.27
